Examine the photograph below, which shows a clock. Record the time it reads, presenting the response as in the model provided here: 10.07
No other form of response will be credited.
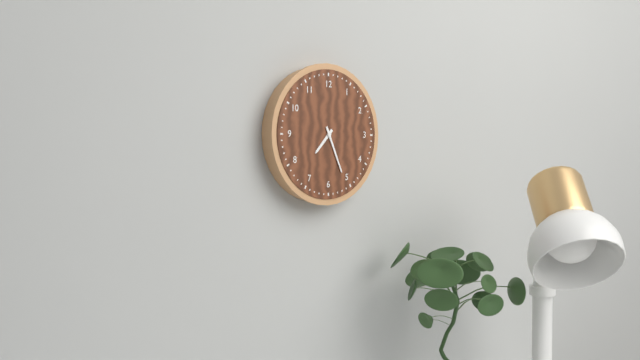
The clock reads 7.26
